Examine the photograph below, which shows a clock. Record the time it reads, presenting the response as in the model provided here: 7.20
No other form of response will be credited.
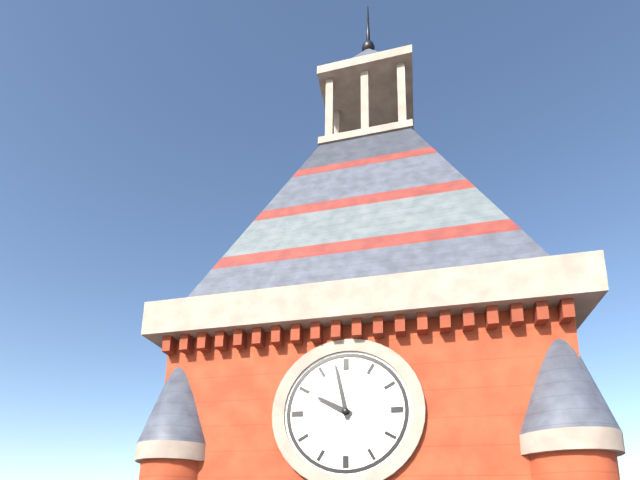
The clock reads 9.58
